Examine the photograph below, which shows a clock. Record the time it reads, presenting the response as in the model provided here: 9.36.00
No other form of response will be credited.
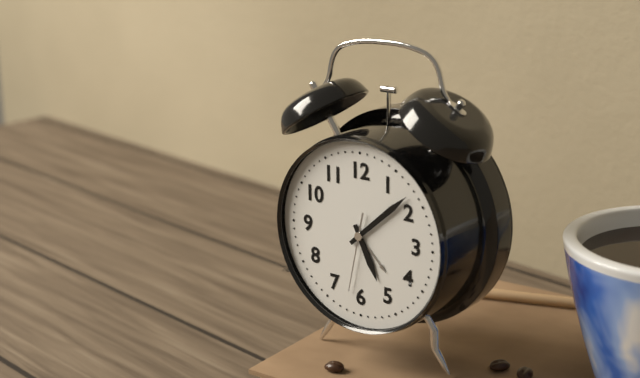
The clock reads 5.08.32
